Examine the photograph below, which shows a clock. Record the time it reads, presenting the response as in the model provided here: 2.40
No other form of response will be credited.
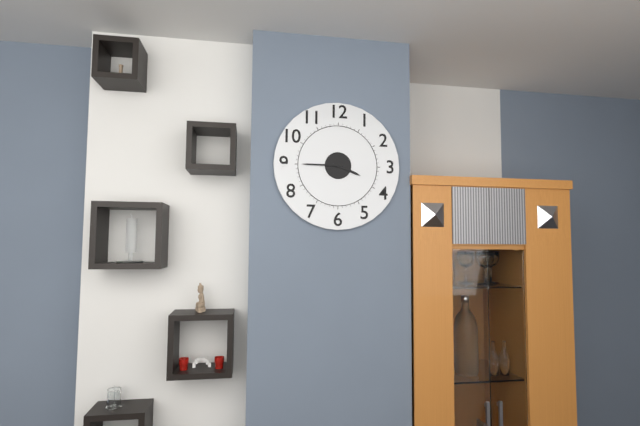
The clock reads 3.45
